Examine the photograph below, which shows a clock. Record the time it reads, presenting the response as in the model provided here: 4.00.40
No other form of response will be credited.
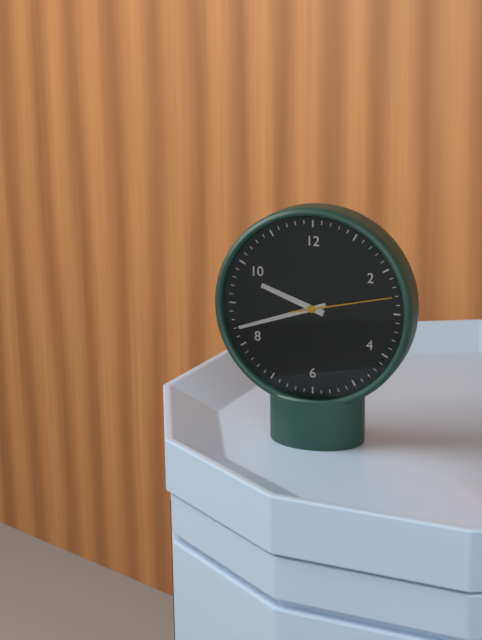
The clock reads 9.42.13
